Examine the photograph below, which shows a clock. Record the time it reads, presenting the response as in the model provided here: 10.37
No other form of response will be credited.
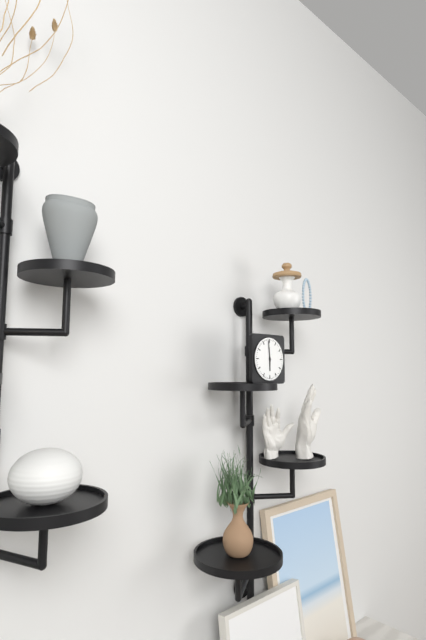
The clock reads 5.59
